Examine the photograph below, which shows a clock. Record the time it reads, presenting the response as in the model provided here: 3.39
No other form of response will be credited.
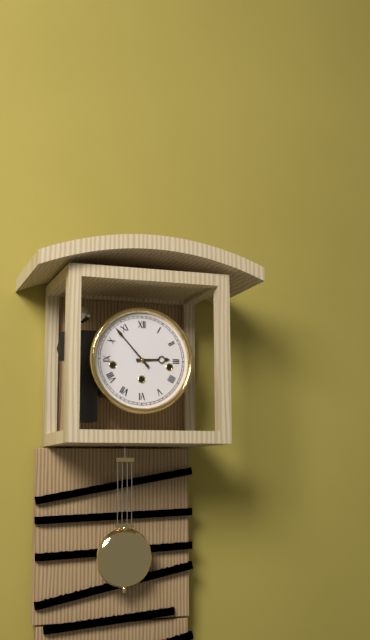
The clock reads 2.53
